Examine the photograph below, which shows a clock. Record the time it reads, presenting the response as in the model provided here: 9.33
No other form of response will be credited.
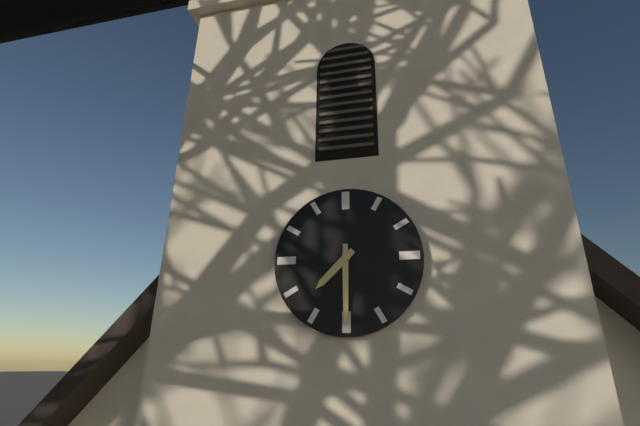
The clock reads 7.30
